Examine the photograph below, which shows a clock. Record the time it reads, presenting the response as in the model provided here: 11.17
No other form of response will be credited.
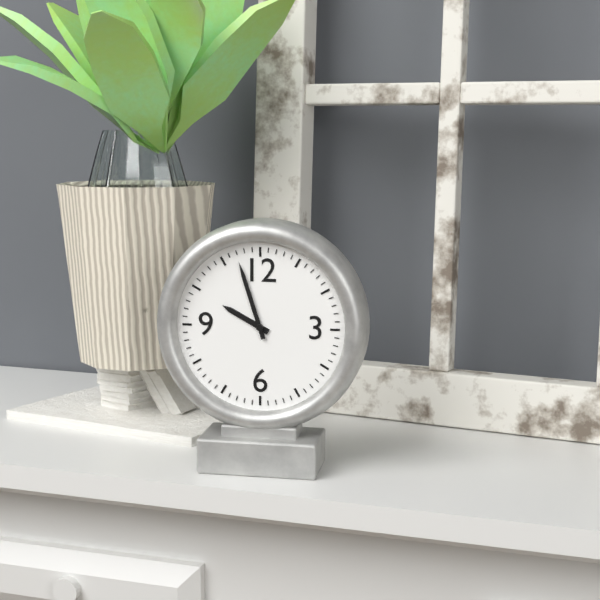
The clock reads 9.57
